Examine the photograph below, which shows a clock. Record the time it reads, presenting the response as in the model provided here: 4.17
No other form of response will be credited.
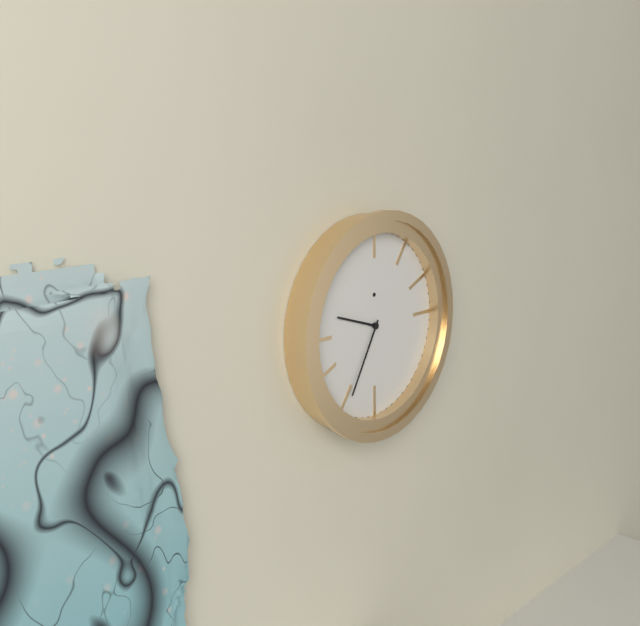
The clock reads 9.35
